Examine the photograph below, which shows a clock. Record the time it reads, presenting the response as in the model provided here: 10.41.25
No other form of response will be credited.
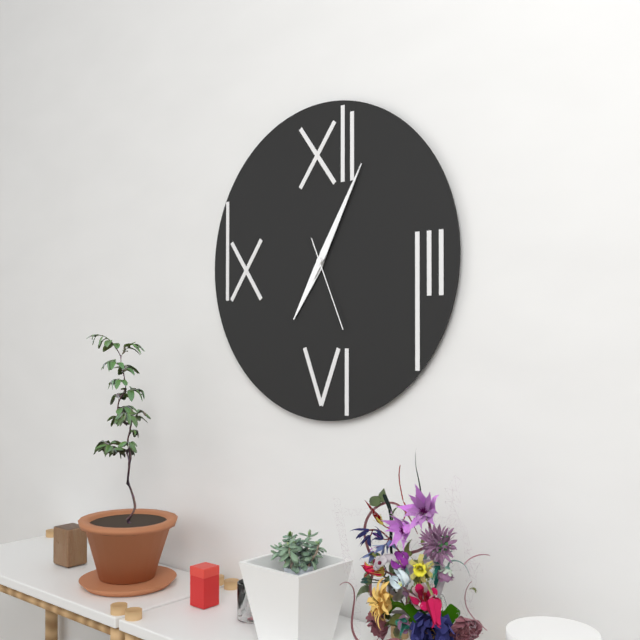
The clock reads 7.05.26
